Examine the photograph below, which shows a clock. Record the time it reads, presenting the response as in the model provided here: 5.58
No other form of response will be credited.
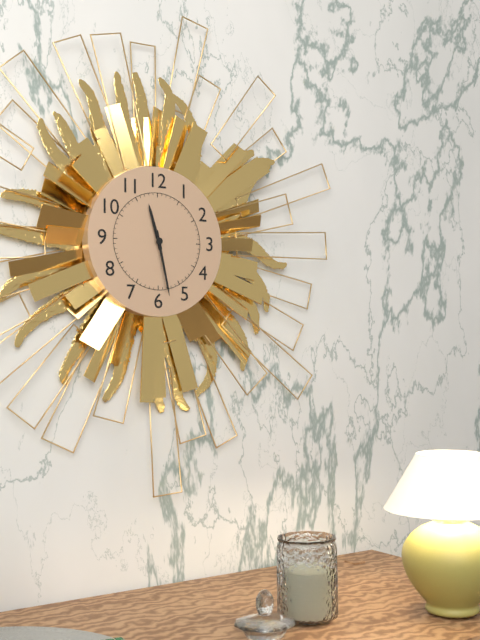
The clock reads 11.28
